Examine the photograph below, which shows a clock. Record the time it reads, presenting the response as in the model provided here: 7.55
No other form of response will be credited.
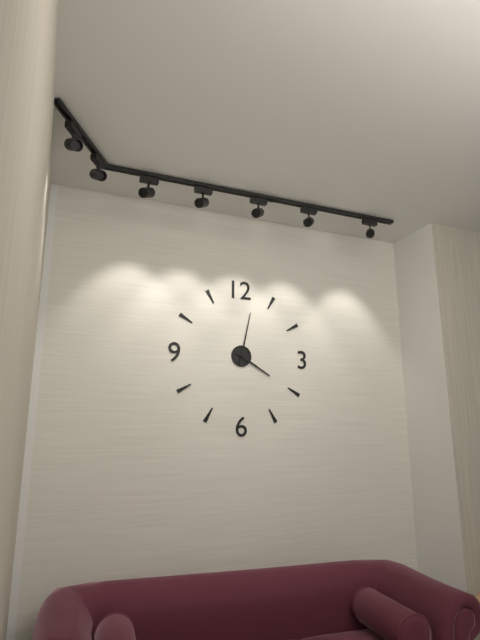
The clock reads 4.02
